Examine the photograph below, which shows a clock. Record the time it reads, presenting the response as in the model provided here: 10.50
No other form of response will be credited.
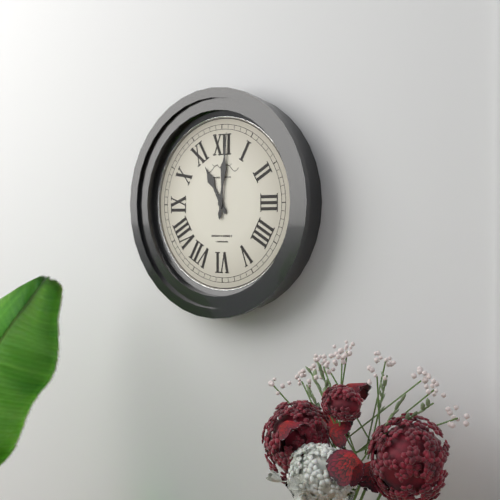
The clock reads 11.01
